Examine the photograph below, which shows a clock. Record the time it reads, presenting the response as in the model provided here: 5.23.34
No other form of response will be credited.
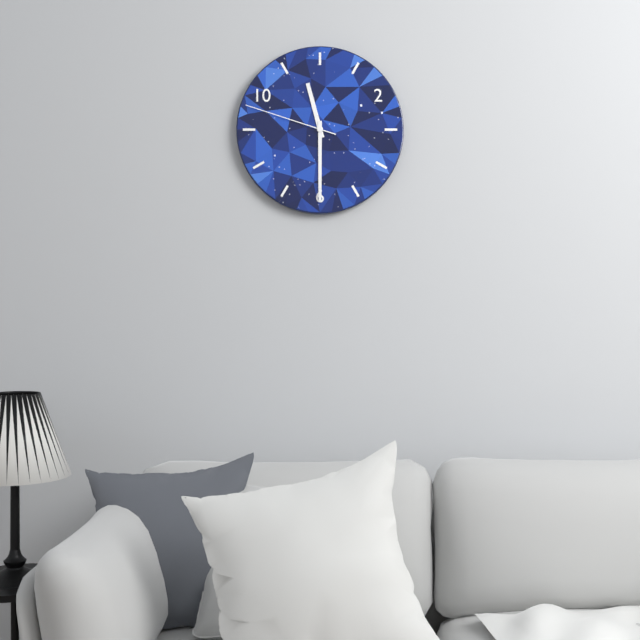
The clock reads 11.30.48
